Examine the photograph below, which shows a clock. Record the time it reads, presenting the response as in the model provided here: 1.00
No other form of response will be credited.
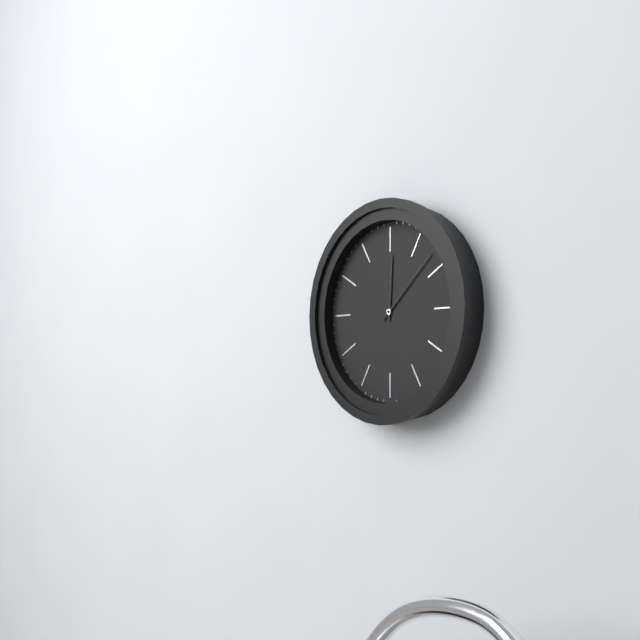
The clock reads 12.08
